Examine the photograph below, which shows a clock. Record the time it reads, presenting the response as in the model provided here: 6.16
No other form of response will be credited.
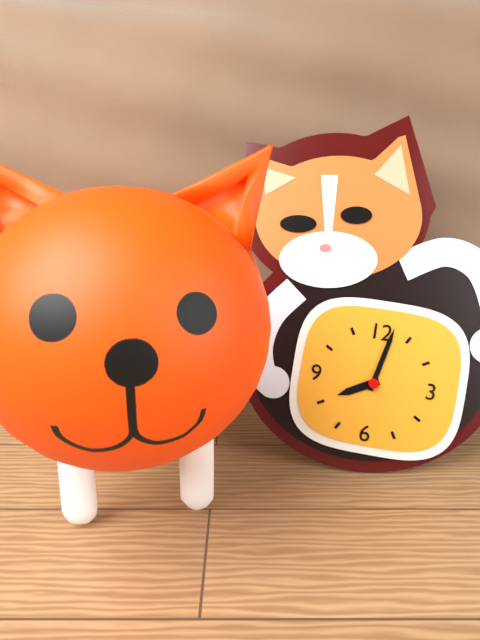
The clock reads 8.02
